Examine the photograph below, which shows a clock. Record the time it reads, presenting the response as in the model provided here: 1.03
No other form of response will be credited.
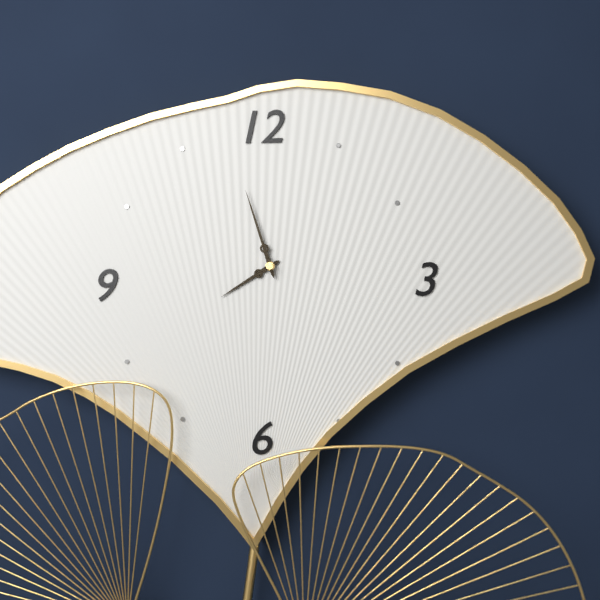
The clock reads 7.57
